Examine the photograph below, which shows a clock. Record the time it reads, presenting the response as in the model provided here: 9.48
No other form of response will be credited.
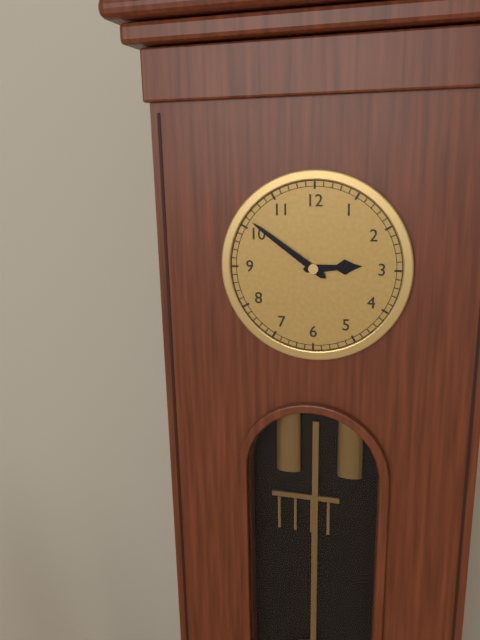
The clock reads 2.51
